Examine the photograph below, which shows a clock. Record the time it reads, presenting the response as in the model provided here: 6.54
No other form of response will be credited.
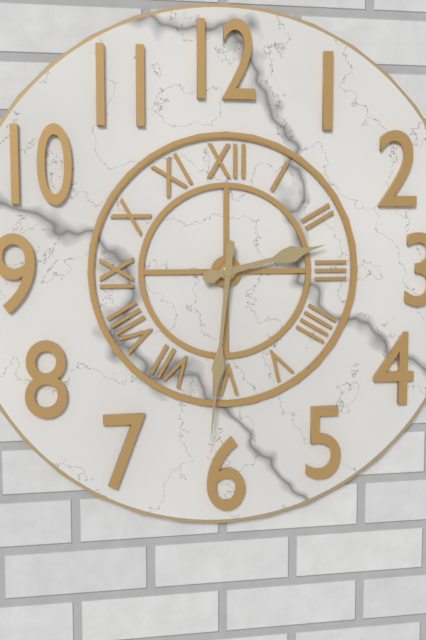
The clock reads 2.31
